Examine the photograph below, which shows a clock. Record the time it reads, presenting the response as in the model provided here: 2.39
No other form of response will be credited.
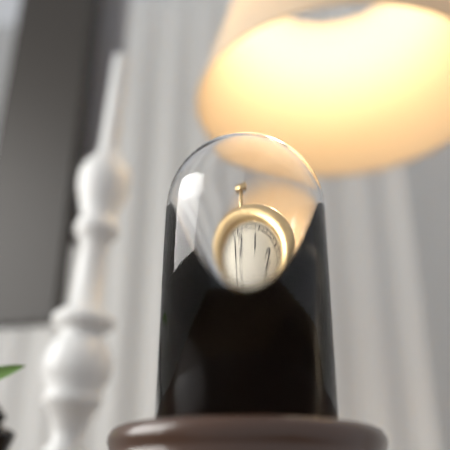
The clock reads 1.54
